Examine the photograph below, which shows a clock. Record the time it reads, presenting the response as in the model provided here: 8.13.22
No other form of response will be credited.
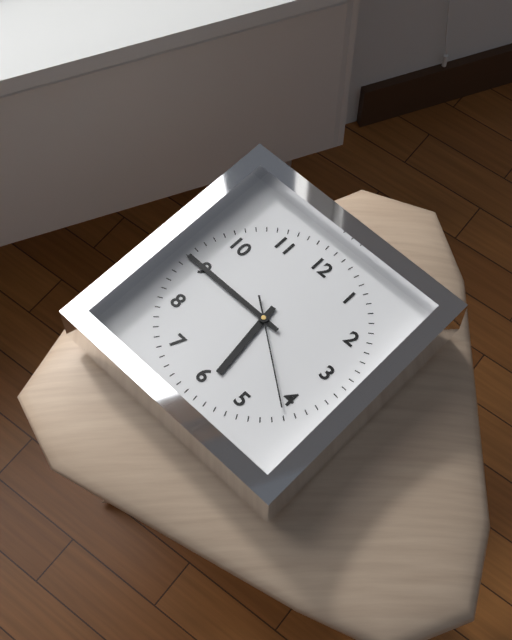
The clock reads 5.45.21
